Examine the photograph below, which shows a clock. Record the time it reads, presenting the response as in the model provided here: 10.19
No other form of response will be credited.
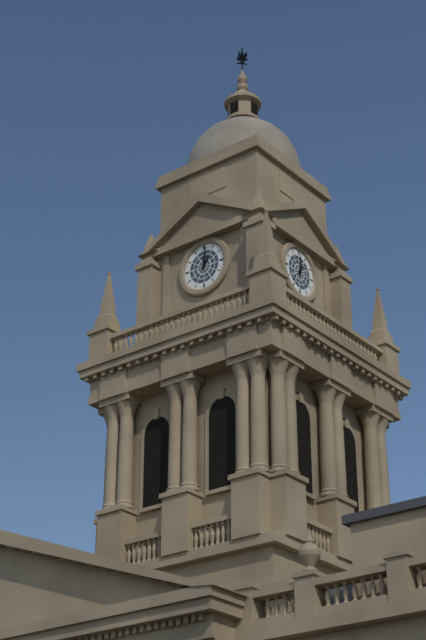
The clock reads 1.01
